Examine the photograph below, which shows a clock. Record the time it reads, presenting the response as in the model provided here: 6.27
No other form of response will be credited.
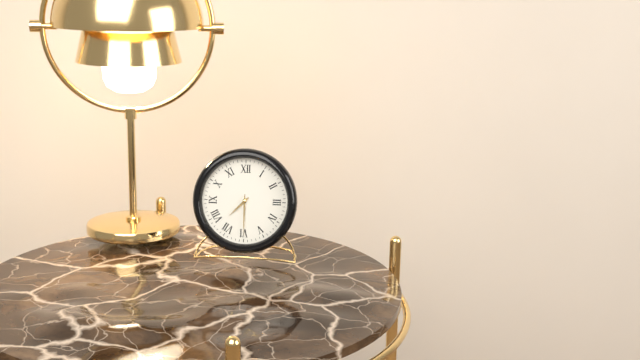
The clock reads 7.30
